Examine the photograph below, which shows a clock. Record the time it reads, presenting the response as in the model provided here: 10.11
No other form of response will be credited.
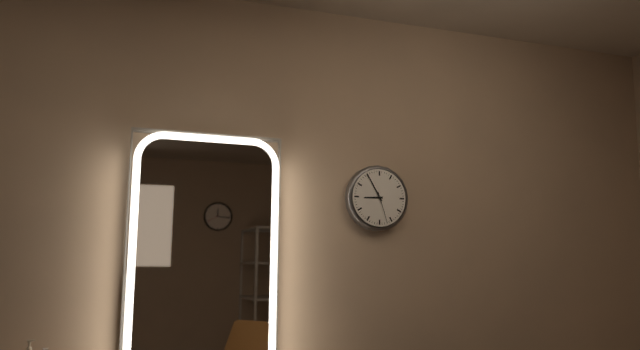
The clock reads 8.55
